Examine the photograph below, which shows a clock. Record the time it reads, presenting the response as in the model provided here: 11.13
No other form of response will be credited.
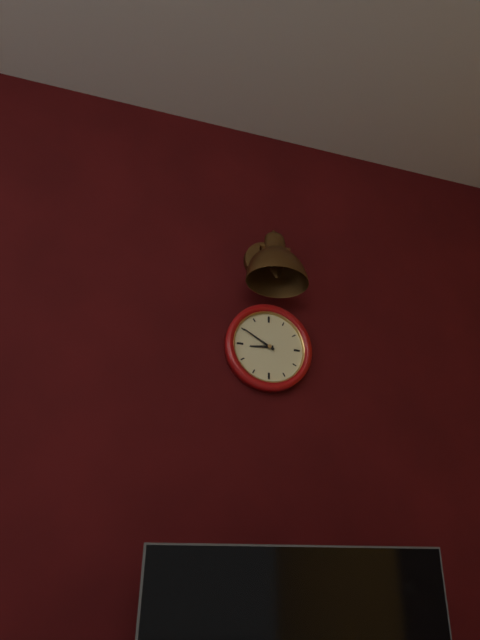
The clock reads 8.50
